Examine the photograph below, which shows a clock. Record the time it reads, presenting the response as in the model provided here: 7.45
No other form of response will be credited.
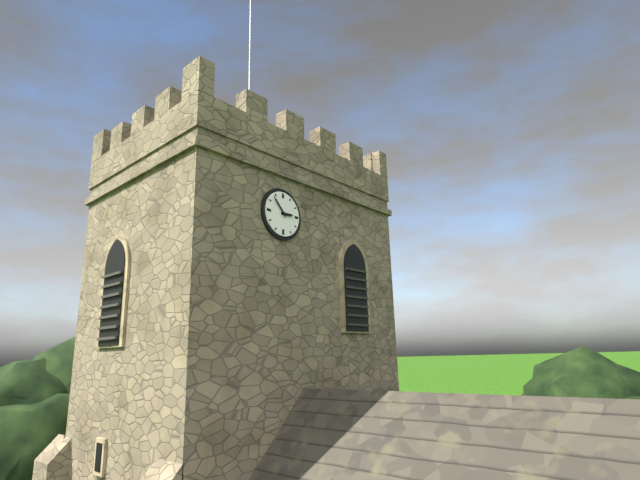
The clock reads 2.53
